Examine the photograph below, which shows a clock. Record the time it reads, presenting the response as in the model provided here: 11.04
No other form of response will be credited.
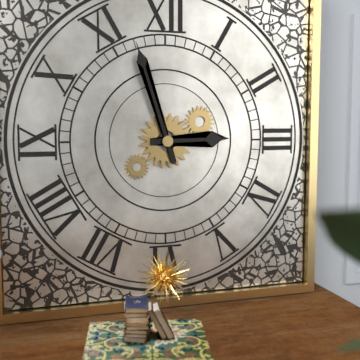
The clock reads 2.57
